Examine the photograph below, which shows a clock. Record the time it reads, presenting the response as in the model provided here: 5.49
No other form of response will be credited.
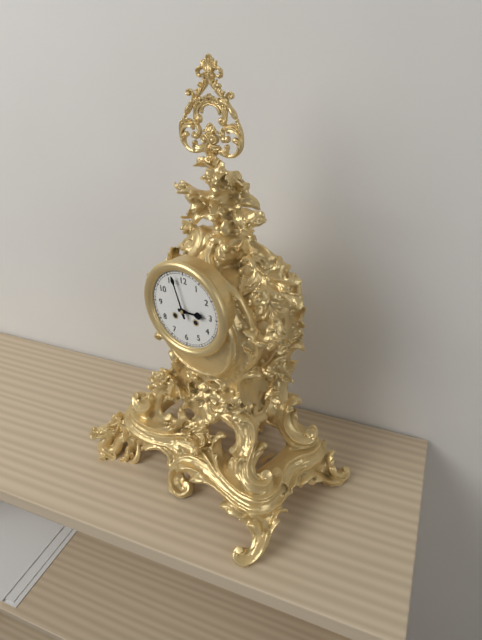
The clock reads 2.57
